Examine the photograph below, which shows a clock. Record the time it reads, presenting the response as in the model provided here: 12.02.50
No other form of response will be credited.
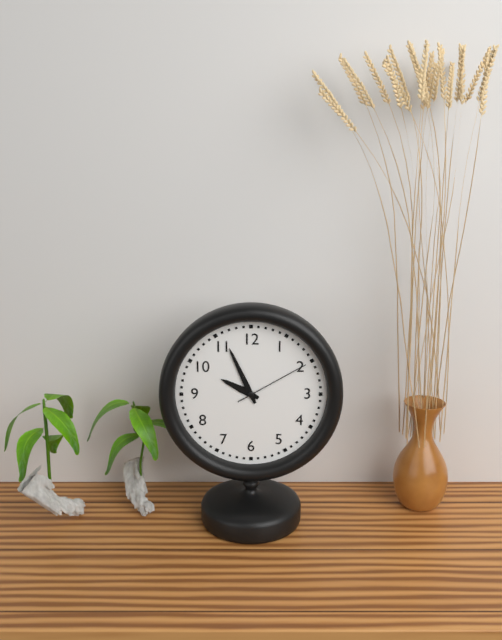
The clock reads 9.56.10
